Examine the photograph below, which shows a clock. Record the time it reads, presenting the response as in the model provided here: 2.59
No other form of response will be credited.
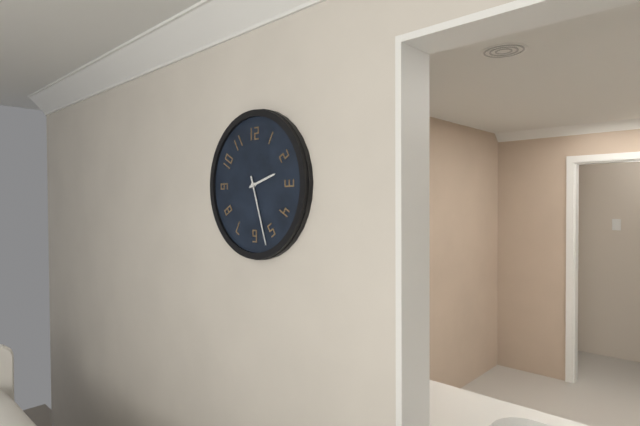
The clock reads 2.27
